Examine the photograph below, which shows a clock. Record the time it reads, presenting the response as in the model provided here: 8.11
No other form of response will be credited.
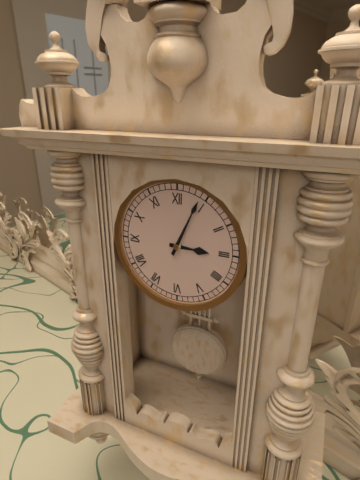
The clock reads 3.04
